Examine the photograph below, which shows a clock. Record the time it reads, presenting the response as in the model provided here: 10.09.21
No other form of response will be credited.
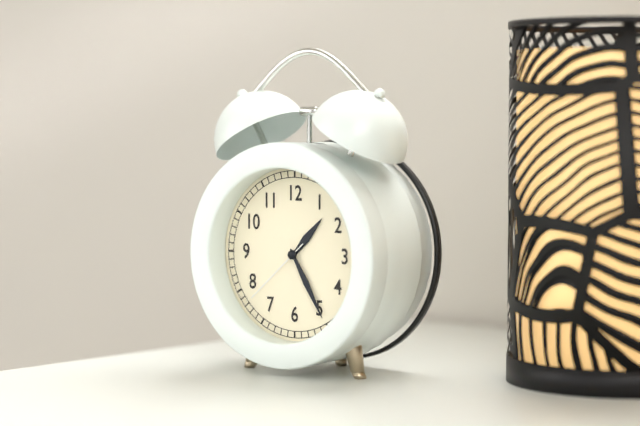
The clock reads 1.25.38
